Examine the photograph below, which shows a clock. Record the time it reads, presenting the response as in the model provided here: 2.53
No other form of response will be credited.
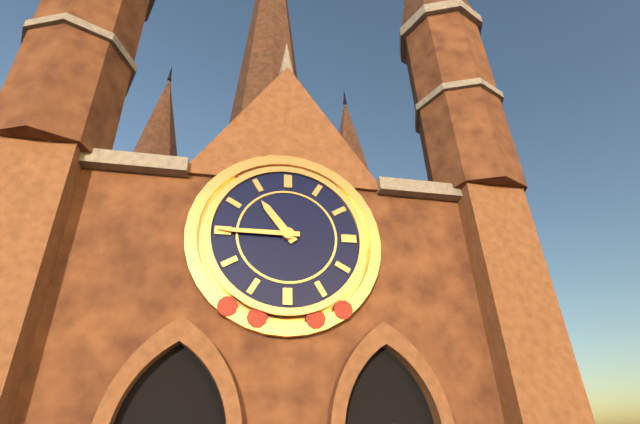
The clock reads 10.45
